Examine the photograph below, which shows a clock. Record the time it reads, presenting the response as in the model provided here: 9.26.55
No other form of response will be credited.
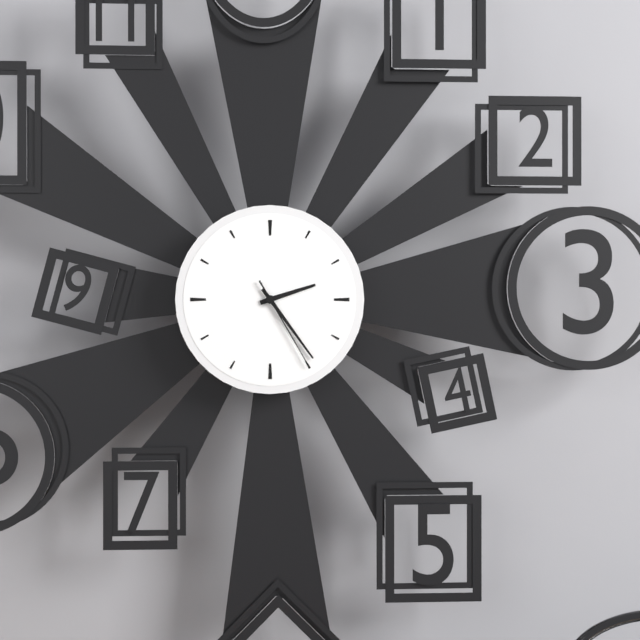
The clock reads 2.24.25
